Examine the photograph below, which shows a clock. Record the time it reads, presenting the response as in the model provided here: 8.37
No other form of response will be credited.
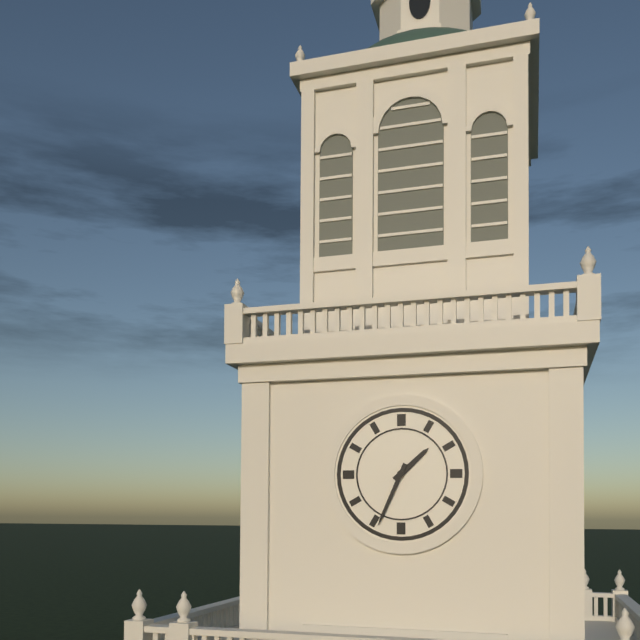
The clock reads 1.34
